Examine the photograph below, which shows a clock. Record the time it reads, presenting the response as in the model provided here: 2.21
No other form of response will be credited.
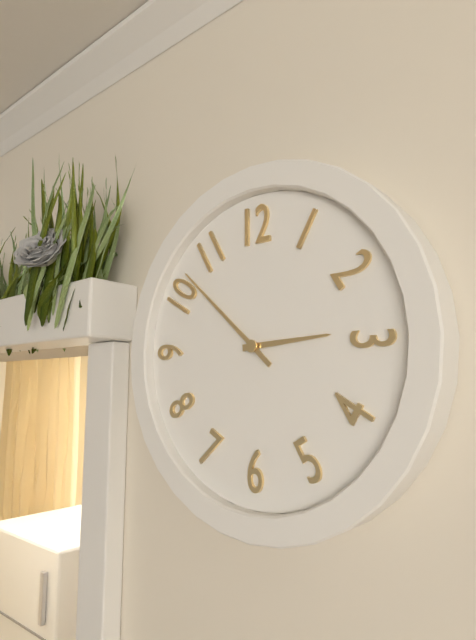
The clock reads 2.52
